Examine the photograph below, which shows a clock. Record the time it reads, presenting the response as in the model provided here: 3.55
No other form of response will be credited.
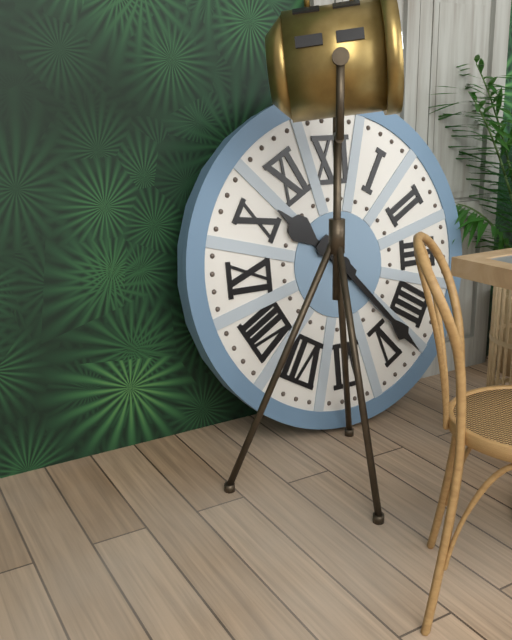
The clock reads 10.23
